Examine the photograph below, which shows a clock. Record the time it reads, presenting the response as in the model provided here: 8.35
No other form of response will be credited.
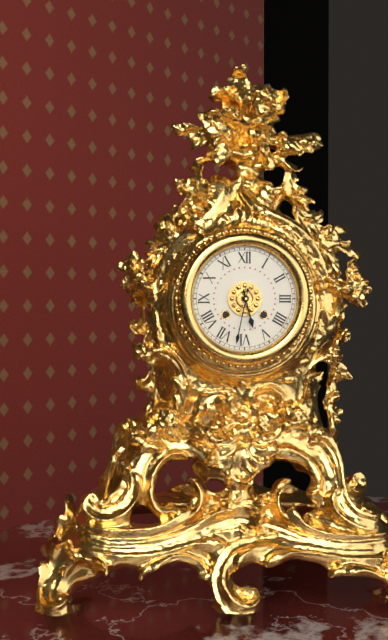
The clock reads 5.32
